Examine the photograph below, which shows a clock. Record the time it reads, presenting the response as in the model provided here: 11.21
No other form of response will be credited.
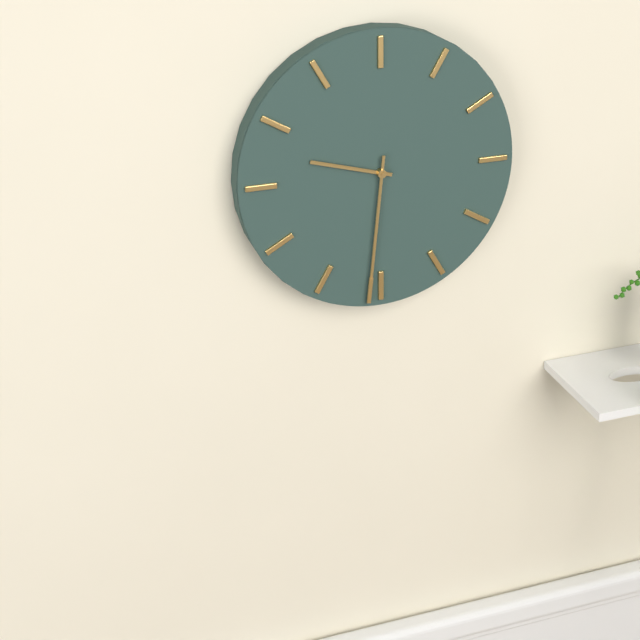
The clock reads 9.31
